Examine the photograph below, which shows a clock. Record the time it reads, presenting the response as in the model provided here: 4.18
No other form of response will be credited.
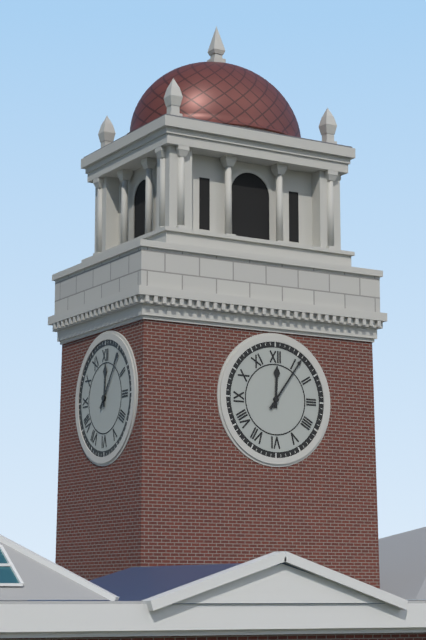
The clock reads 12.06
